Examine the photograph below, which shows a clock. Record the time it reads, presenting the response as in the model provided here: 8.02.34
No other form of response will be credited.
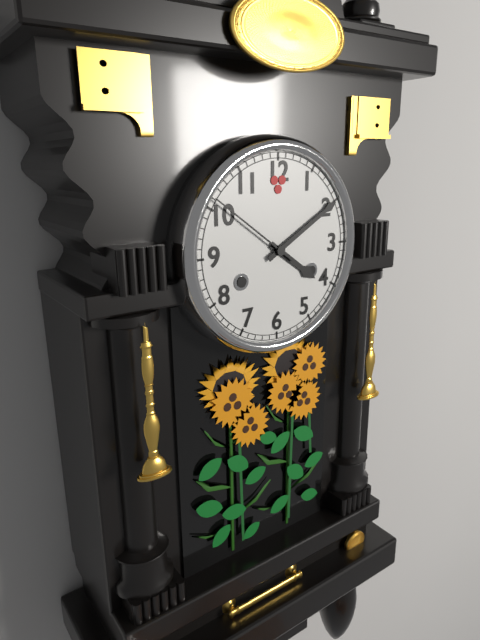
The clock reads 4.10.51
